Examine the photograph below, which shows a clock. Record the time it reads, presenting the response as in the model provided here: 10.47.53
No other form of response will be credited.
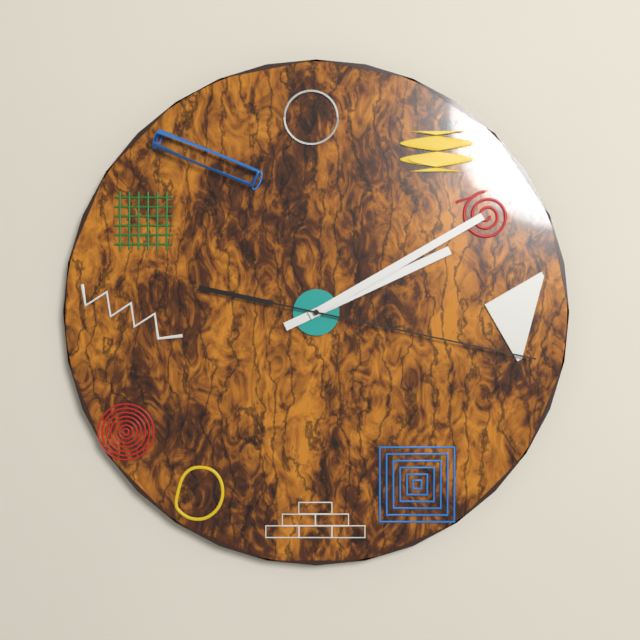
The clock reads 2.10.17
